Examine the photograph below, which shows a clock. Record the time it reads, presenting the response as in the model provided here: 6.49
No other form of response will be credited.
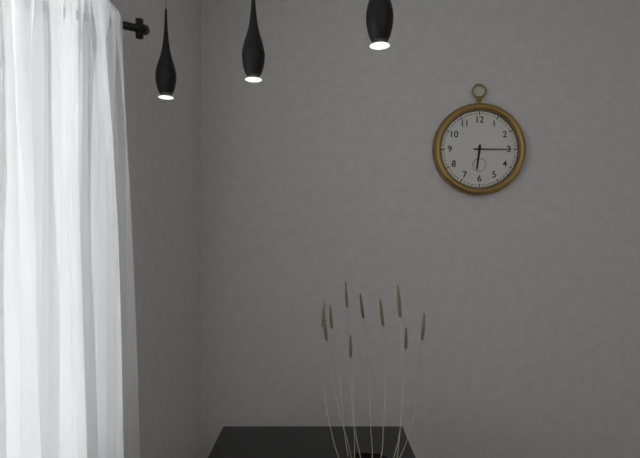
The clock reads 6.15
